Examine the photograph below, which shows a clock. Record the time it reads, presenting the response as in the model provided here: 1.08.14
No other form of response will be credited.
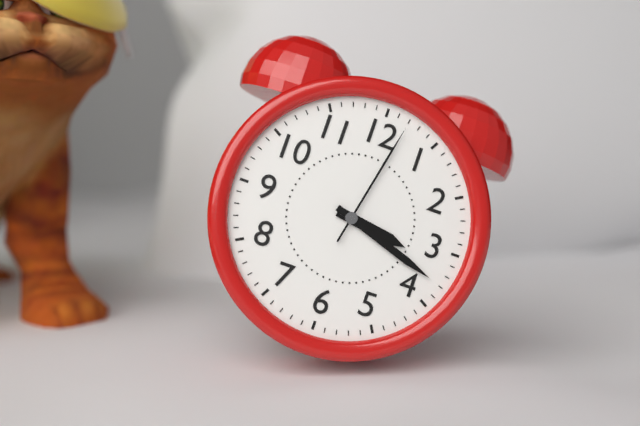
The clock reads 3.18.02
